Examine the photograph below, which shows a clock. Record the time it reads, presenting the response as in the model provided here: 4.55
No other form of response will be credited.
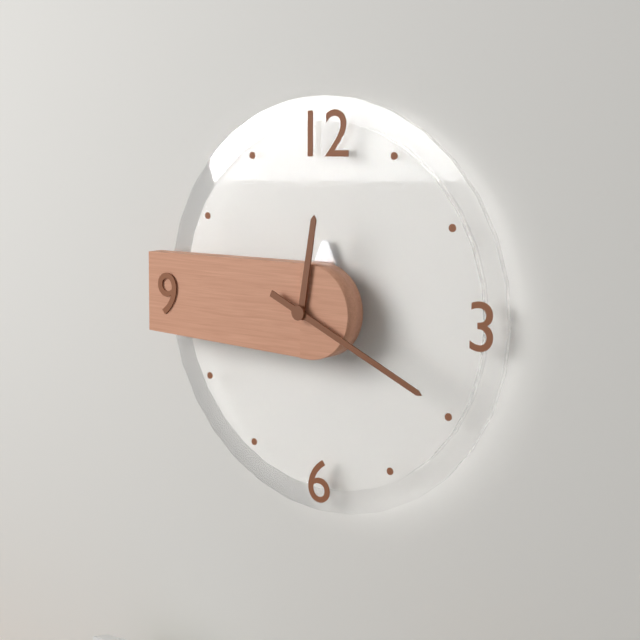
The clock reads 12.19
